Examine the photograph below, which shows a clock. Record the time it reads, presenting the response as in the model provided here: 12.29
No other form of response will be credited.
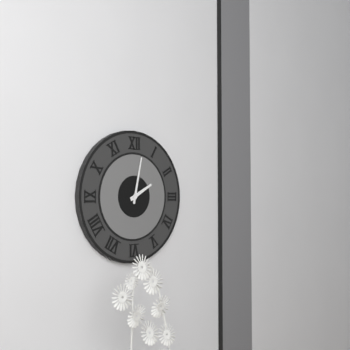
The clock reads 2.02
